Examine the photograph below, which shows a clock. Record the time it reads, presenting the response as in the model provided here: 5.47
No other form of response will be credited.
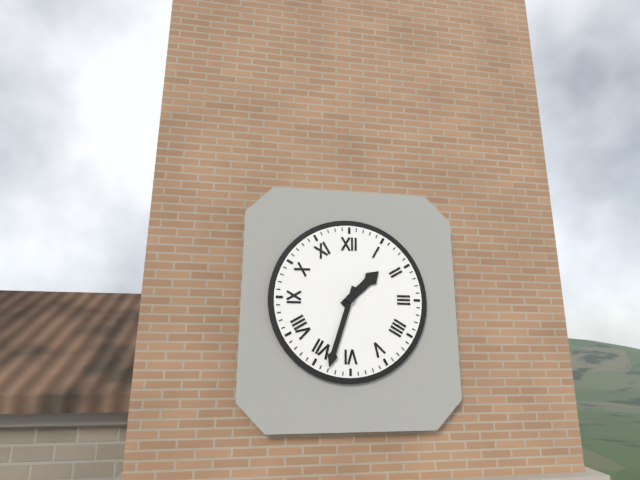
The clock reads 1.33
